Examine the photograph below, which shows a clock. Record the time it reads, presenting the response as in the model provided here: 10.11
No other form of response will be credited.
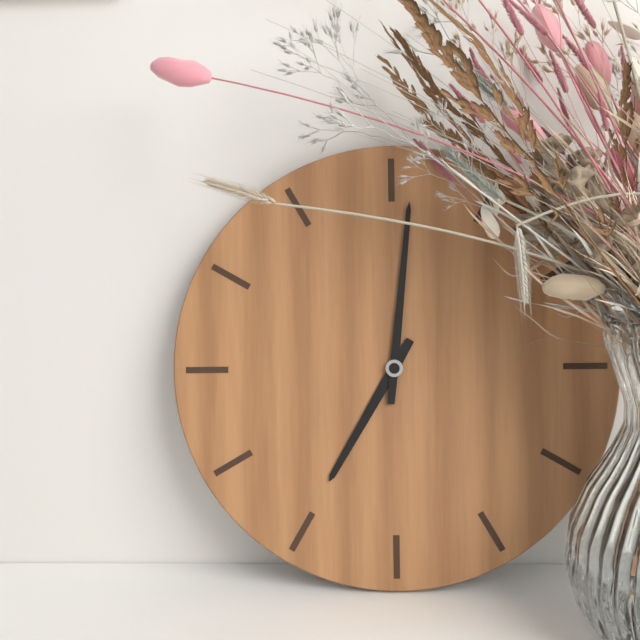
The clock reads 7.01
